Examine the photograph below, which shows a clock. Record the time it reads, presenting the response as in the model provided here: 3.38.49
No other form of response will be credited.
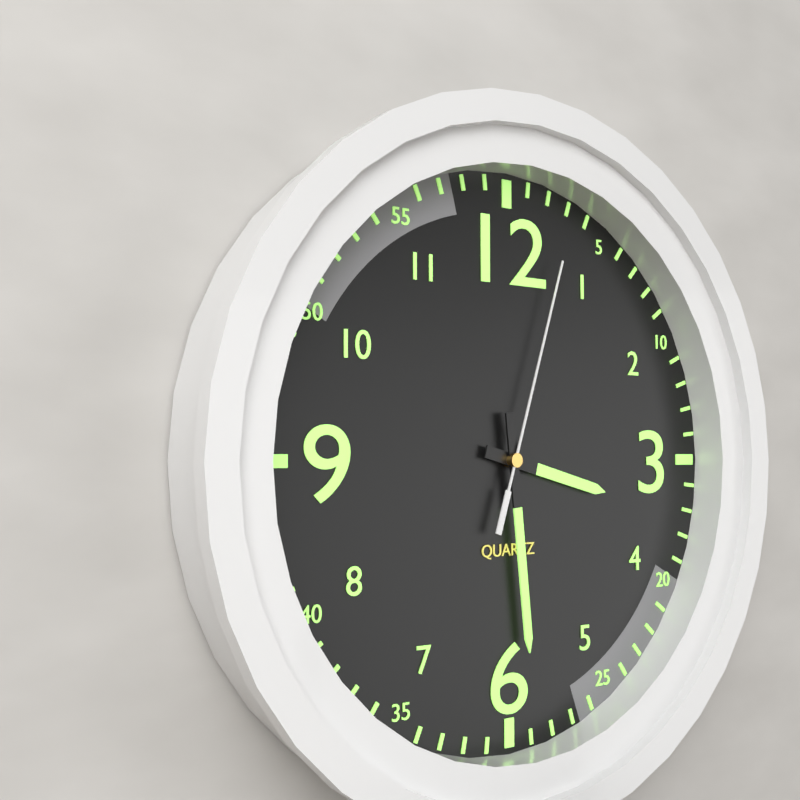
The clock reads 3.29.03
